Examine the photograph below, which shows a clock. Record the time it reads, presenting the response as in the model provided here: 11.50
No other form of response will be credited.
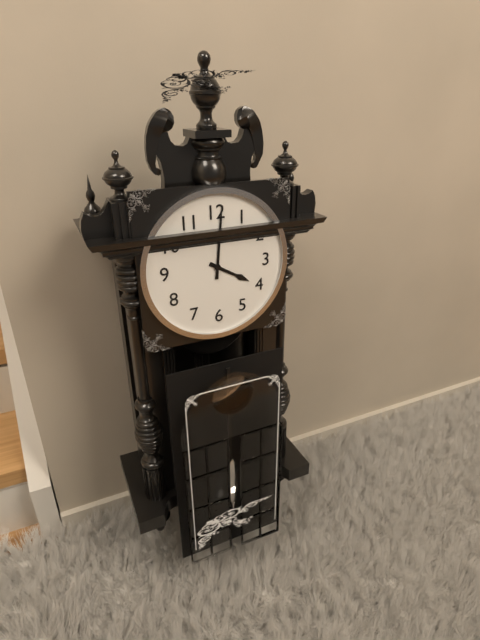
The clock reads 4.01
